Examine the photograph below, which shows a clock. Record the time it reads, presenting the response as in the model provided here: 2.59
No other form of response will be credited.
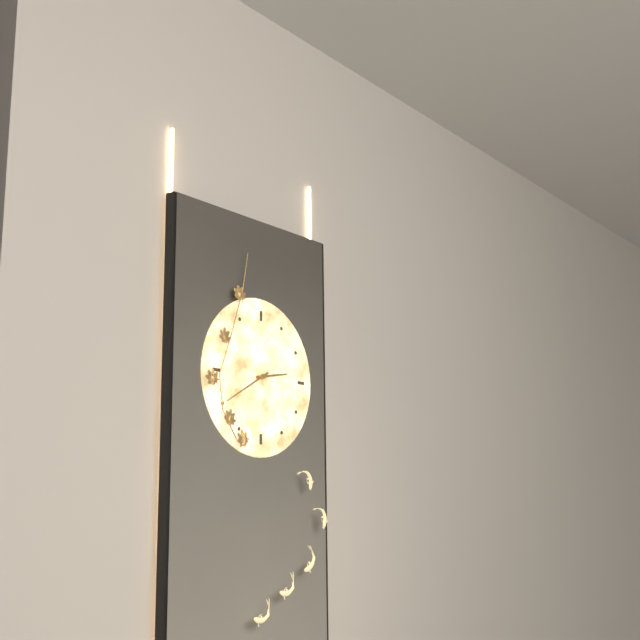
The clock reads 2.40
